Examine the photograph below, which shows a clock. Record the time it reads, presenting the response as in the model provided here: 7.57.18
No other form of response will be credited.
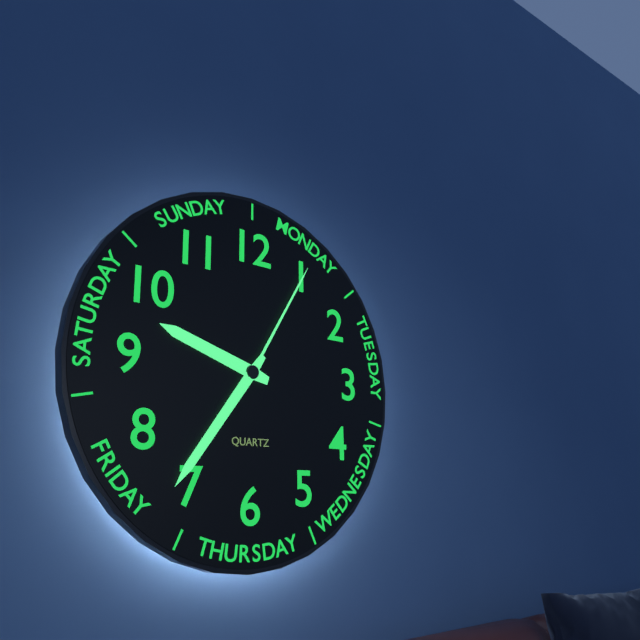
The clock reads 9.36.05
